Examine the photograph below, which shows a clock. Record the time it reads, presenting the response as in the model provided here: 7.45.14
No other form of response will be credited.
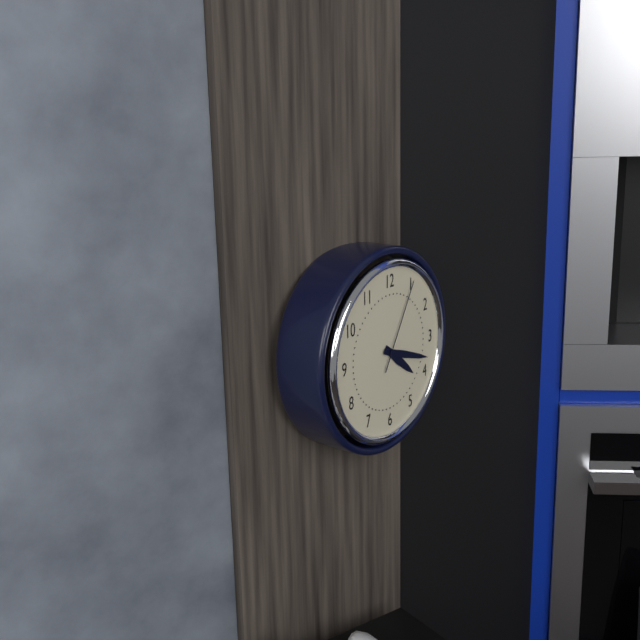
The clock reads 4.18.05
